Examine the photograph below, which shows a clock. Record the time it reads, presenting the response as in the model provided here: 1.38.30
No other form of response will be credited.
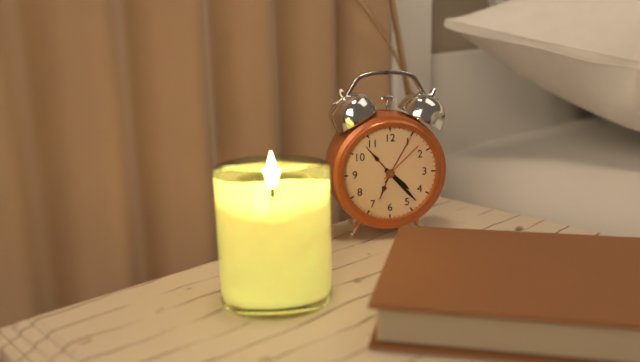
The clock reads 4.23.05
